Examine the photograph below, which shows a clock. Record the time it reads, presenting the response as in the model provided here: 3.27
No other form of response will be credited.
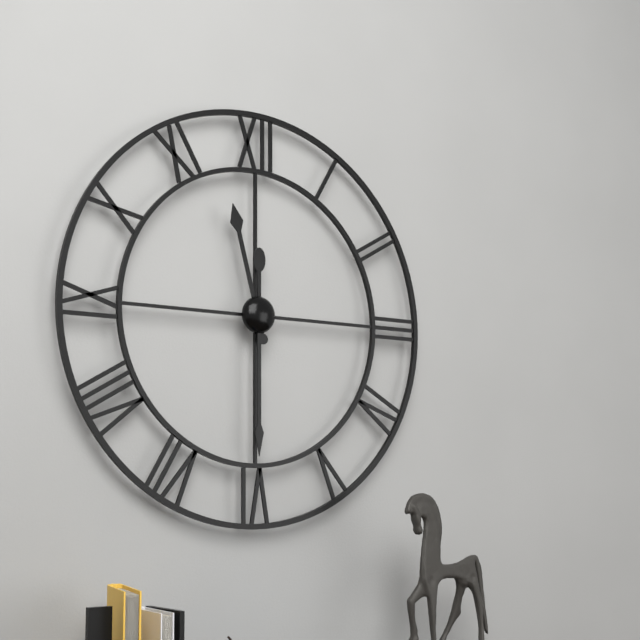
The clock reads 11.30
